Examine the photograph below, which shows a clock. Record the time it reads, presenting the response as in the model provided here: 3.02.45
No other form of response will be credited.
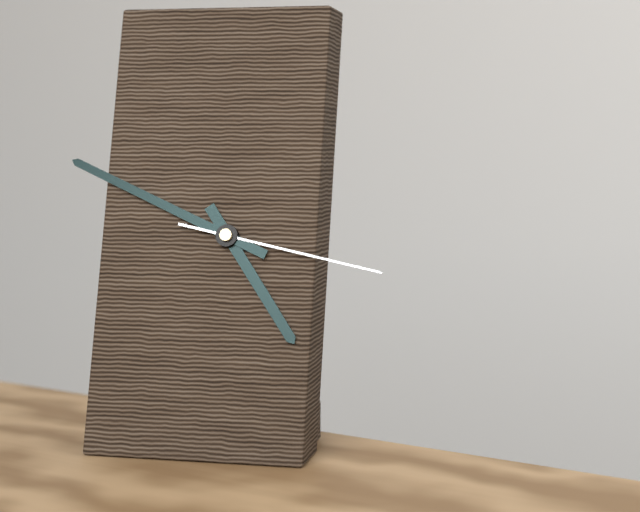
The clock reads 4.49.17
